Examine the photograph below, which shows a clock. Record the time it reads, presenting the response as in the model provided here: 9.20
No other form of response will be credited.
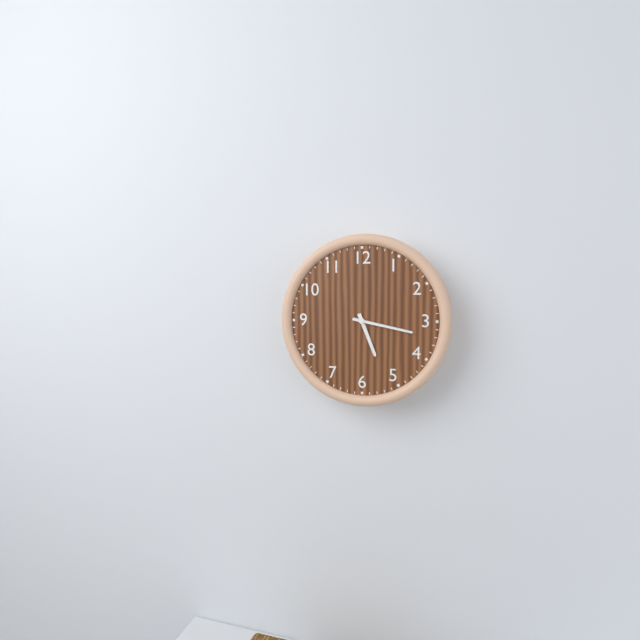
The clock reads 5.17
